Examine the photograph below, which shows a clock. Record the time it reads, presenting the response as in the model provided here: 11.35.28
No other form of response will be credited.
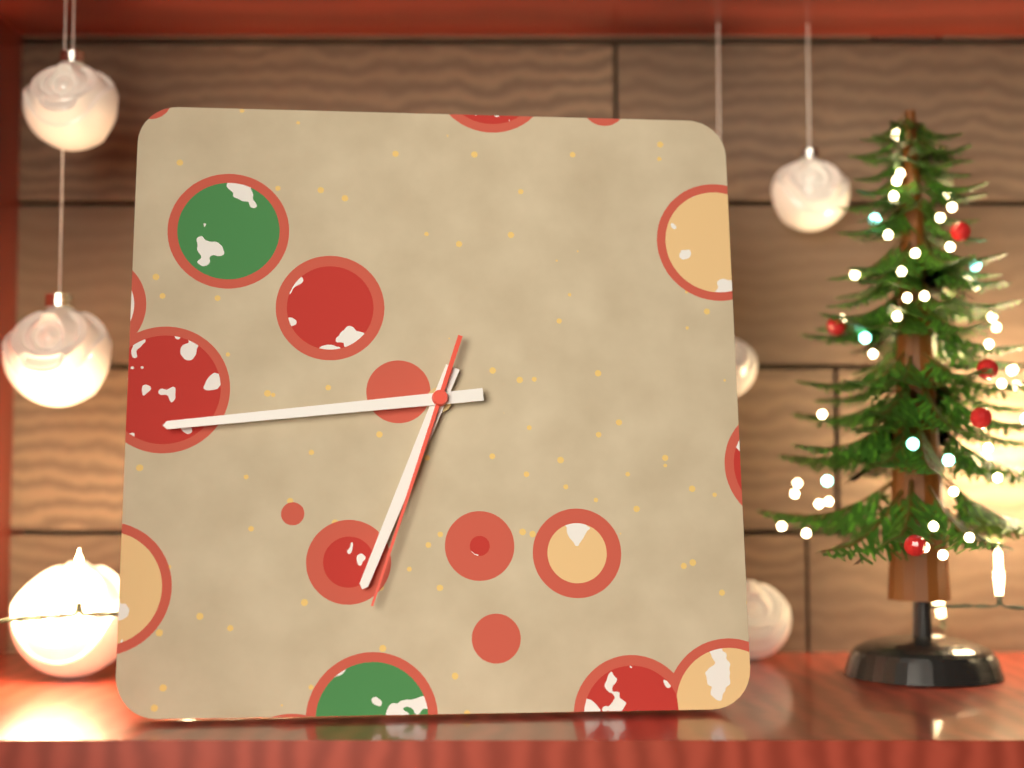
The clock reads 6.44.33
